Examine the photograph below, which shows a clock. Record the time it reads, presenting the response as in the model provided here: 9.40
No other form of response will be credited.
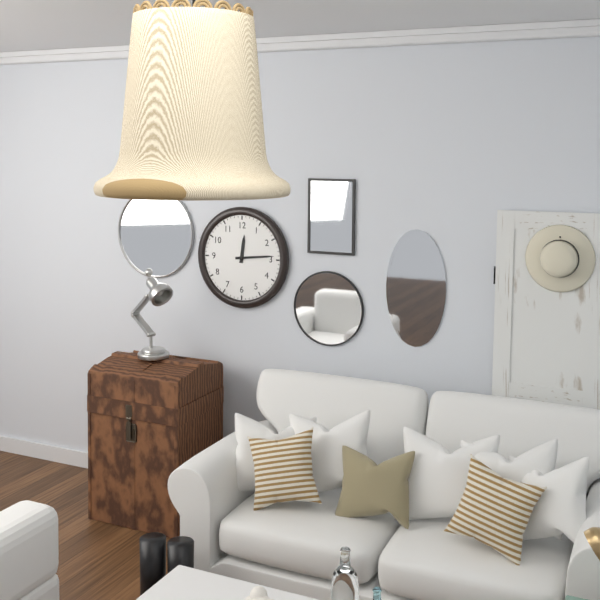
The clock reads 12.14
